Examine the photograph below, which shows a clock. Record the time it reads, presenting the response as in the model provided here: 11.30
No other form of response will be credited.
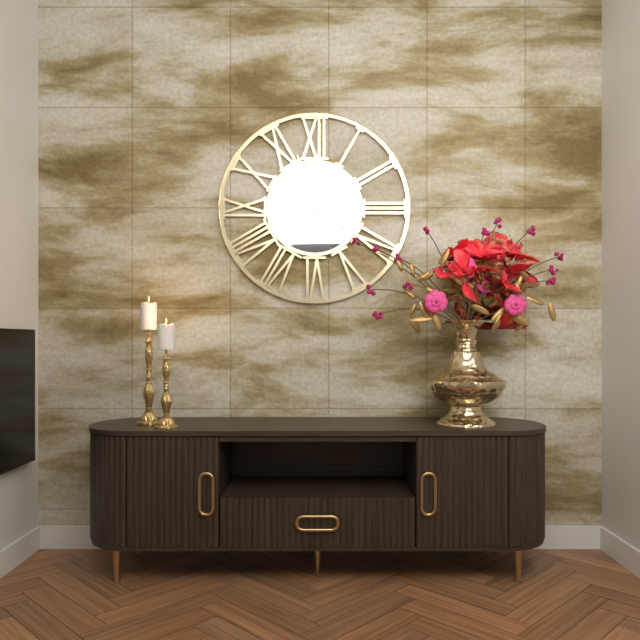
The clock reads 3.57
